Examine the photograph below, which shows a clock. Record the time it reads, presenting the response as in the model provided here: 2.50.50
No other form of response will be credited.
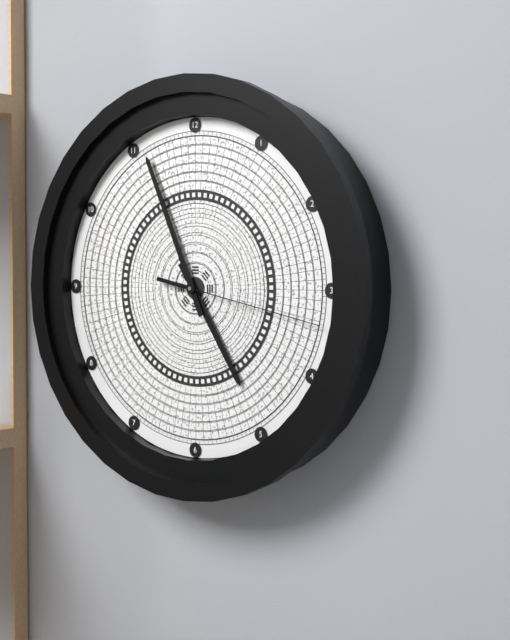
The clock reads 4.56.17
